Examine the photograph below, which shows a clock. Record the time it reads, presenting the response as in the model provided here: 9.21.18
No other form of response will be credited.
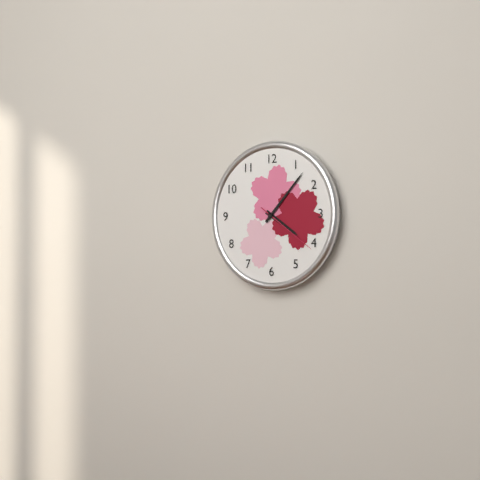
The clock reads 4.07.21
